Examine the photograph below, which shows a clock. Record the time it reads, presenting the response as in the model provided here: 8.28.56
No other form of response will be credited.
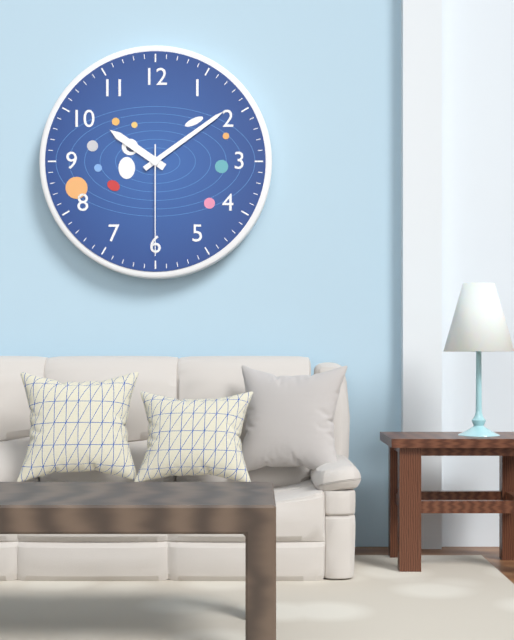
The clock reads 10.09.30
